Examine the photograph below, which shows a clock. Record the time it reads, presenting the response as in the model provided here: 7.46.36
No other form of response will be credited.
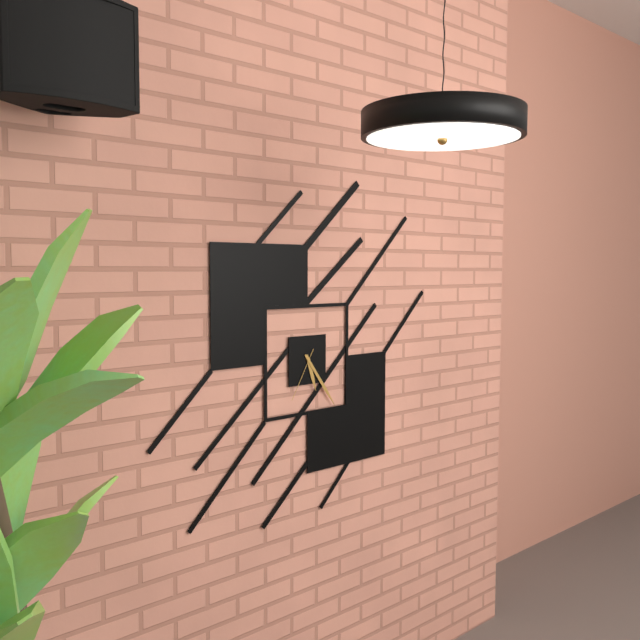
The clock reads 5.24.35
